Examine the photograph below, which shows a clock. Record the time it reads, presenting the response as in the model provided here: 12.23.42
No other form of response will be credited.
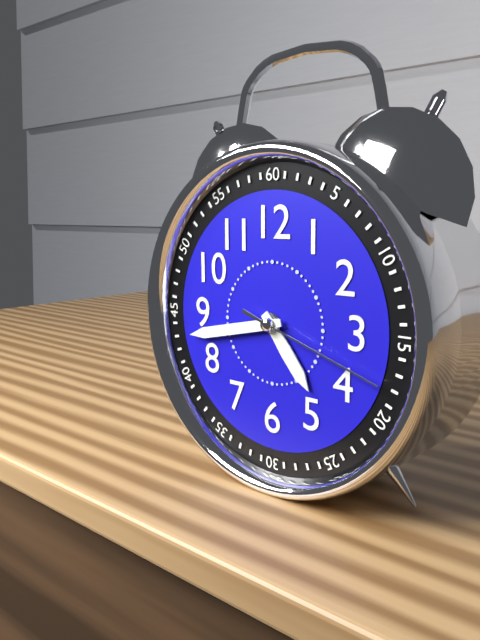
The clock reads 4.43.18
